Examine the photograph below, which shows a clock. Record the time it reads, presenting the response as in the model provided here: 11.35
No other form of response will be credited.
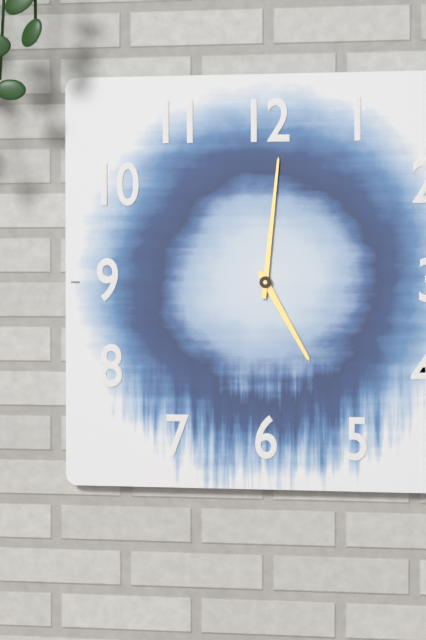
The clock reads 5.01
